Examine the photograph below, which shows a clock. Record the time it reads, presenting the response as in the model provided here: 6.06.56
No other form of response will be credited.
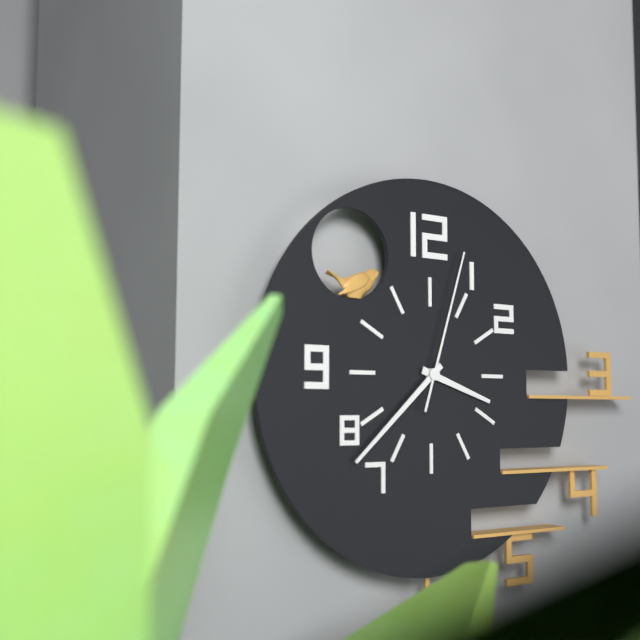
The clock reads 3.38.03
